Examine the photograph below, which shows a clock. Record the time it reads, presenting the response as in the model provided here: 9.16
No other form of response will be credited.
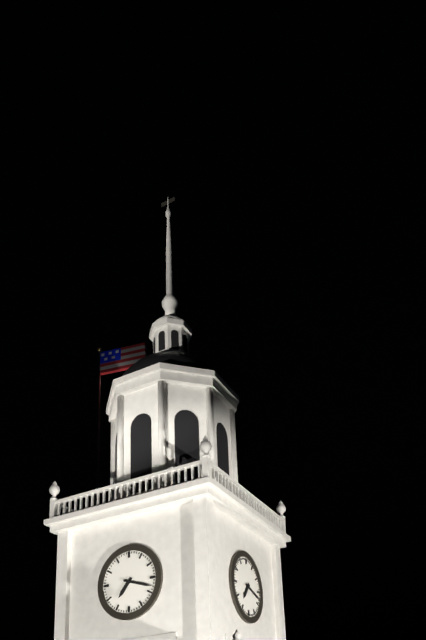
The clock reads 7.18
